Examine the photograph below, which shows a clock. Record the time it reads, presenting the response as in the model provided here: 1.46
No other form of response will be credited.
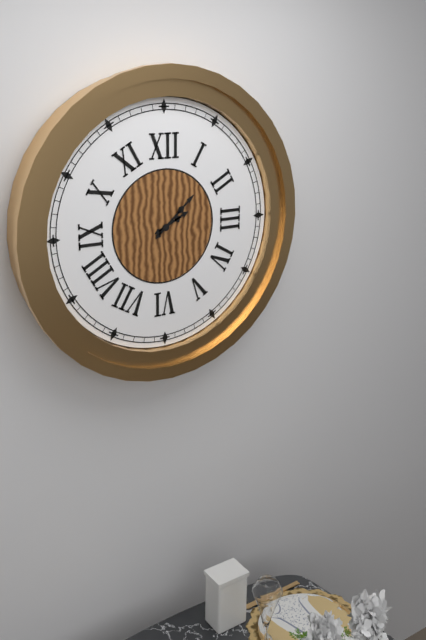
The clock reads 2.08
